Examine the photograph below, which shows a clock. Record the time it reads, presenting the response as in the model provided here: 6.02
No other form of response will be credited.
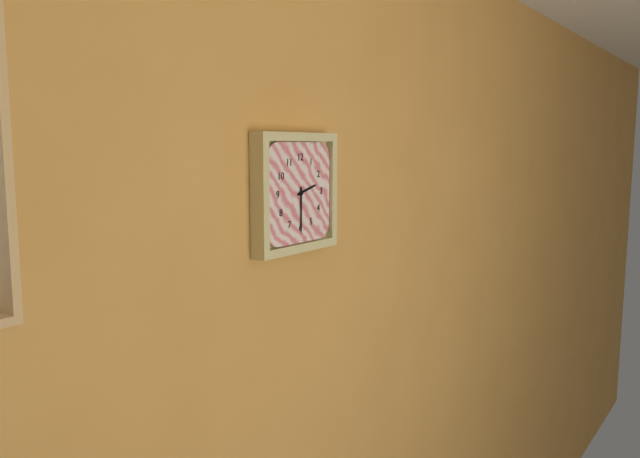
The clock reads 2.30
